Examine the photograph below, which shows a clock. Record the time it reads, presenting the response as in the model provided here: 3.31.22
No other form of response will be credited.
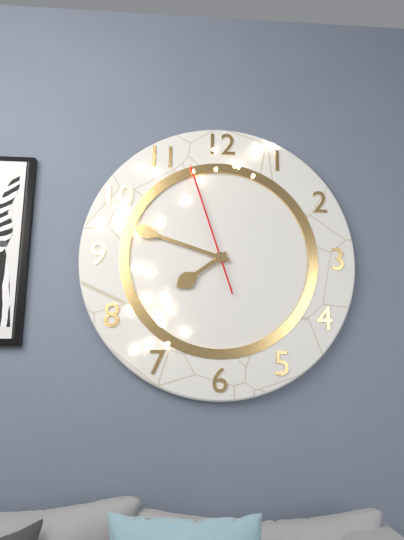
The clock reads 7.48.57
